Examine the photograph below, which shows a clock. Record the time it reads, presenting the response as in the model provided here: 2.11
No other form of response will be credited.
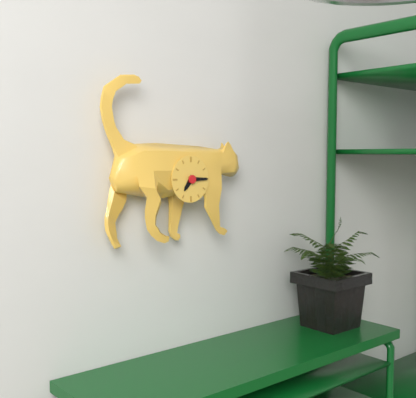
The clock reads 7.15
